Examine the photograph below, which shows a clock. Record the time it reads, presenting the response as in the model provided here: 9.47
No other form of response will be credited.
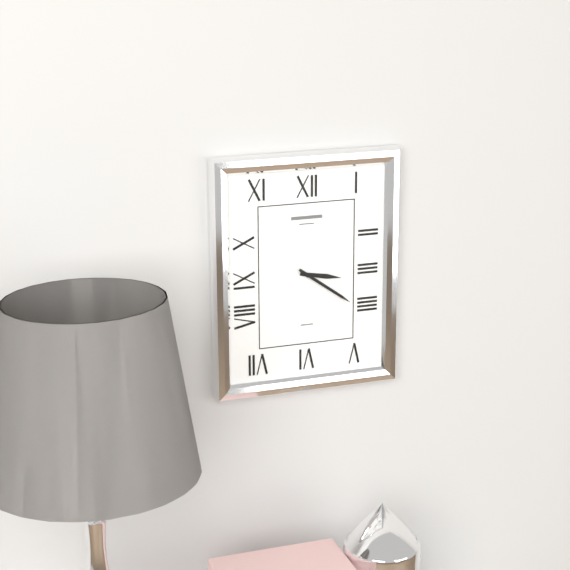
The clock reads 3.21
